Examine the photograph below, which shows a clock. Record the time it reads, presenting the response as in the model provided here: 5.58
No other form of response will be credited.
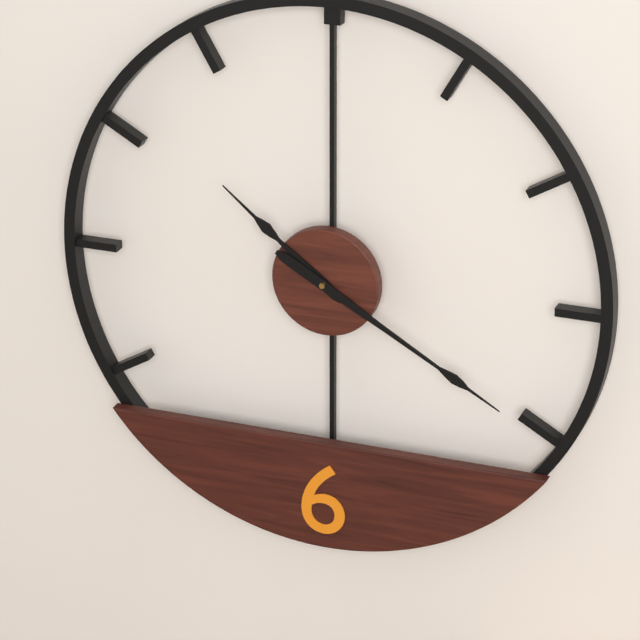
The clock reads 10.20
